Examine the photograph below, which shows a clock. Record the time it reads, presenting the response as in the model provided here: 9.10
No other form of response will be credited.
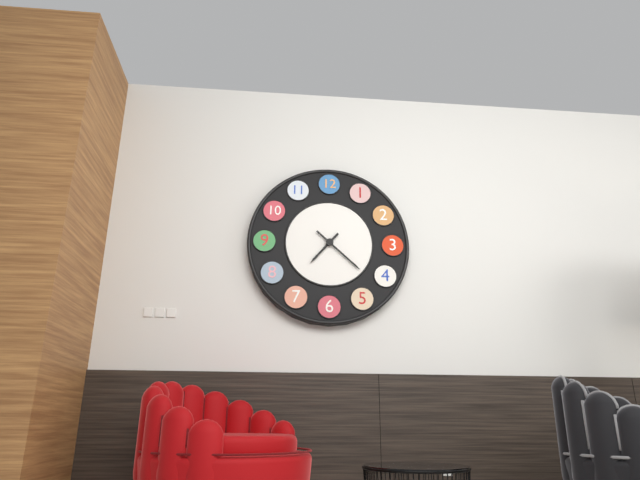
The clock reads 7.22
